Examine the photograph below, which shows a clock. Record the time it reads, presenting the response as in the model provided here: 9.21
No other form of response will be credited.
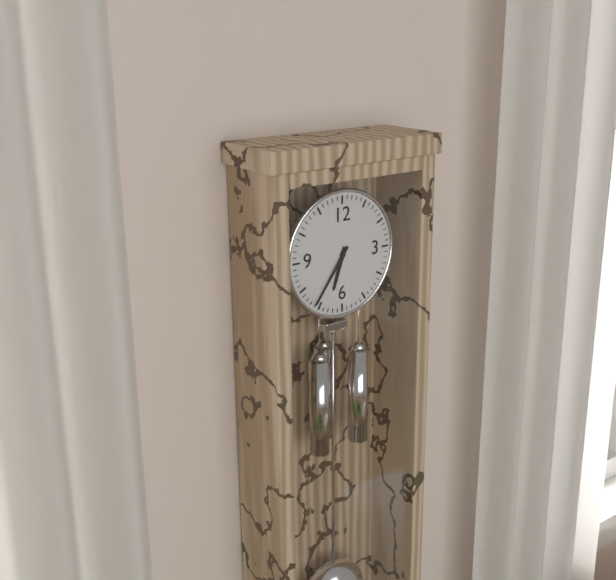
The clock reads 6.36
